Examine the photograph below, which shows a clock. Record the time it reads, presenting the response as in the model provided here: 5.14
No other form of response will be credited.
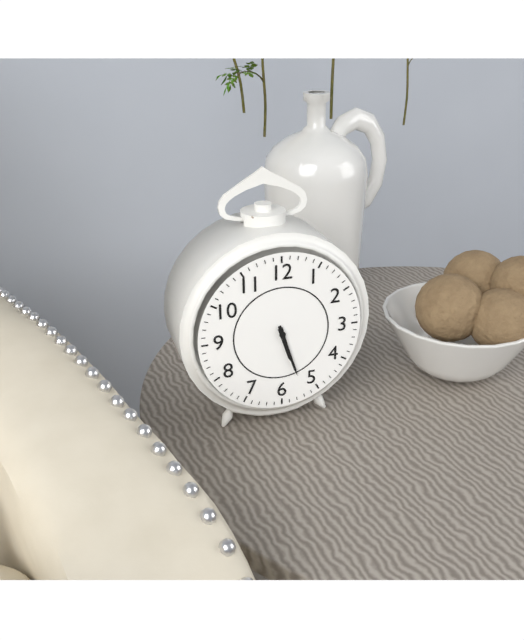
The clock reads 5.27
